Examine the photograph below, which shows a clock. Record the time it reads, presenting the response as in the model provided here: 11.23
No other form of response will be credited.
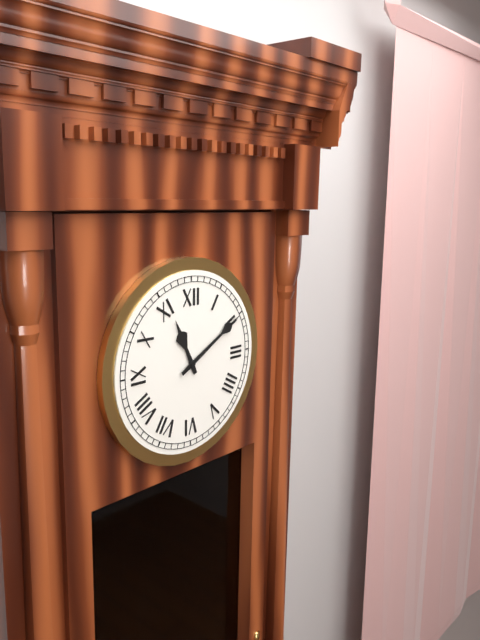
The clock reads 11.10
